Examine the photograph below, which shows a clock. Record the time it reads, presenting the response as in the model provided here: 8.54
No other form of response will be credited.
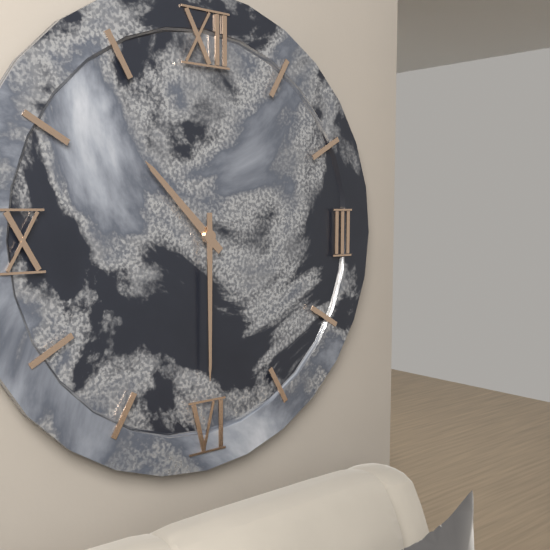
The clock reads 10.30
